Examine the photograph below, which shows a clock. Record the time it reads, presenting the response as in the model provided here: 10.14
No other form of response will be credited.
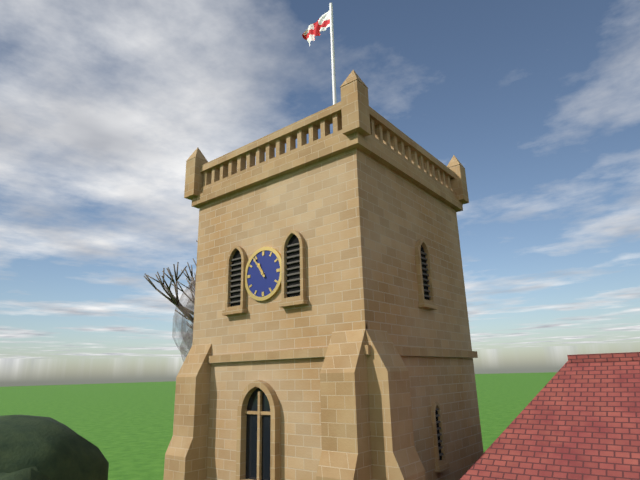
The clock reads 10.54
